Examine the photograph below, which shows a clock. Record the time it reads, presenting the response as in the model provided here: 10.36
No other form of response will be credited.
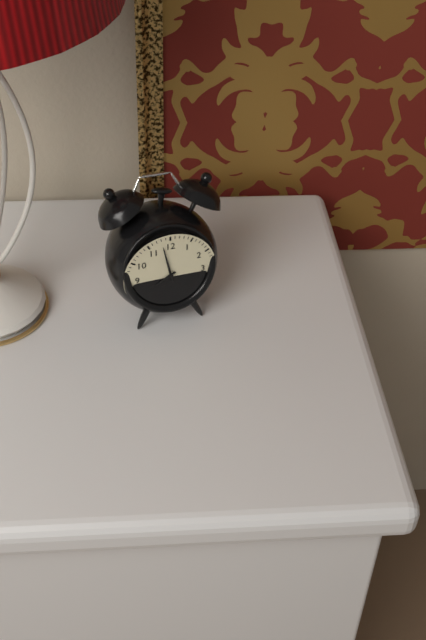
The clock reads 7.58
